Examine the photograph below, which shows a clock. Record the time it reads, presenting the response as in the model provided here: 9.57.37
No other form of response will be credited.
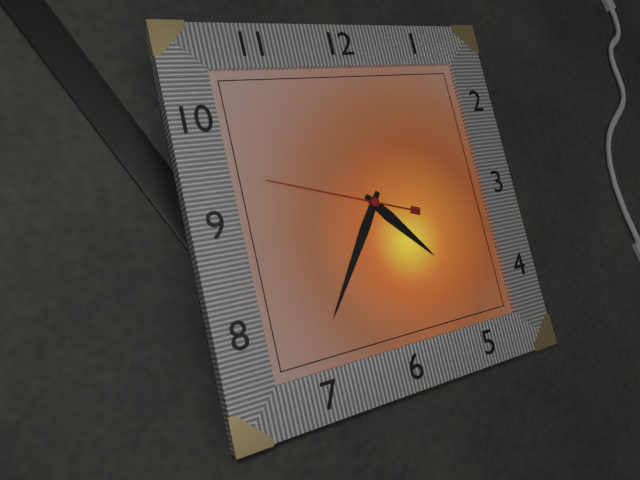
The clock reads 4.36.48
